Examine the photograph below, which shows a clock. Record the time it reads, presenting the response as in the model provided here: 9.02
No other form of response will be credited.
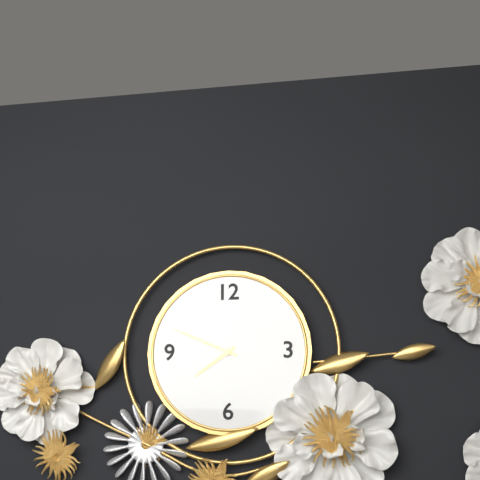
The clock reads 7.49
